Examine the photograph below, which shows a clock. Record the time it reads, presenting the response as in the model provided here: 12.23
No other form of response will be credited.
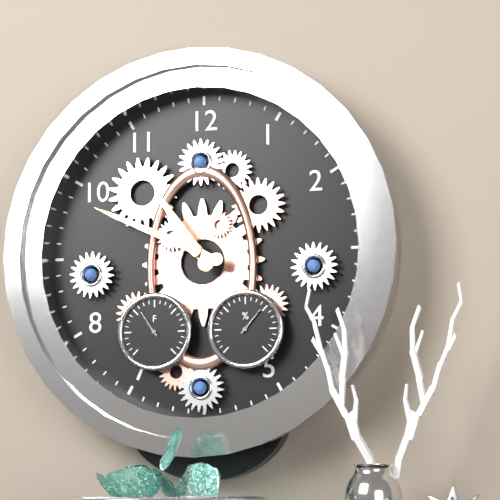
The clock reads 10.49
